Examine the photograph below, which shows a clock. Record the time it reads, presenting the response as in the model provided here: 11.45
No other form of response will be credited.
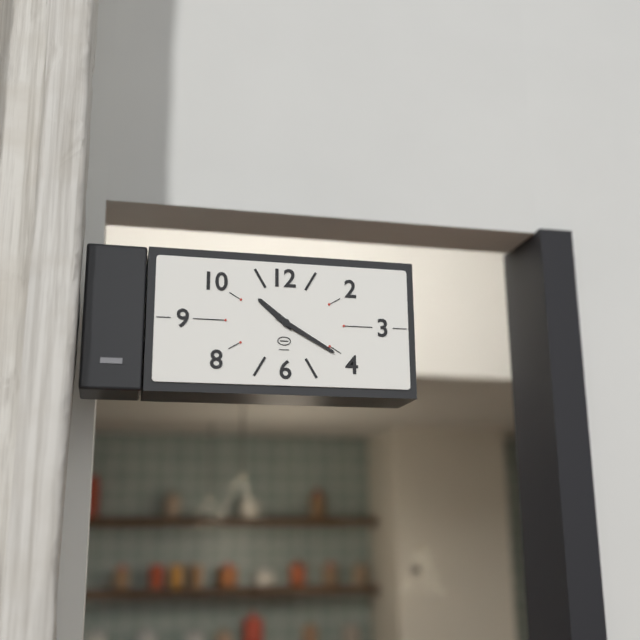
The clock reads 10.20
